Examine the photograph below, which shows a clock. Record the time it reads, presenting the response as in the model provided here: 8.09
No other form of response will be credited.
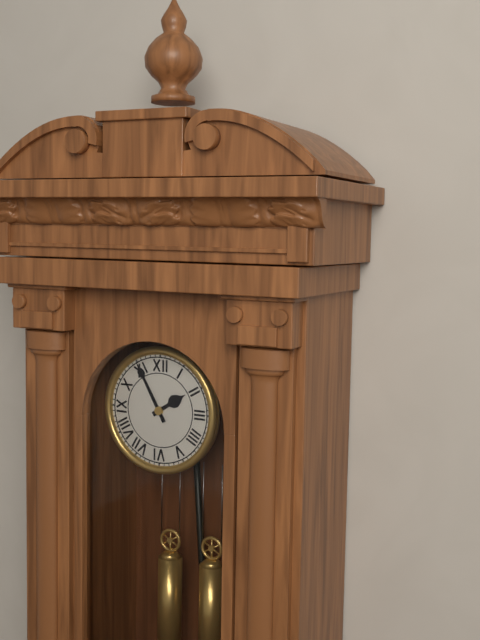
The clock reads 1.55
